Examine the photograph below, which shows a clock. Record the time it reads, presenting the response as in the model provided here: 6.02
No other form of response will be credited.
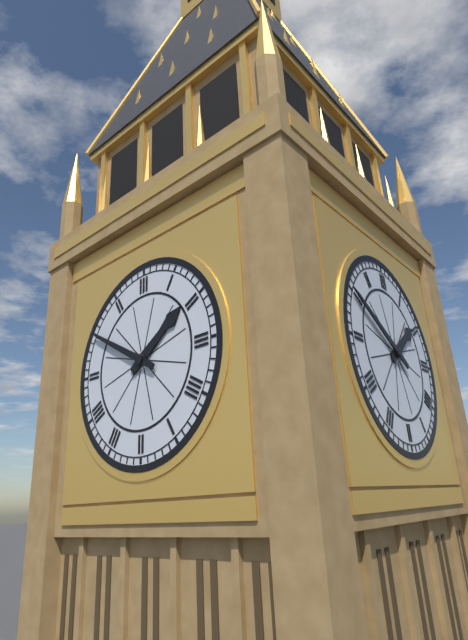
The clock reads 1.50
